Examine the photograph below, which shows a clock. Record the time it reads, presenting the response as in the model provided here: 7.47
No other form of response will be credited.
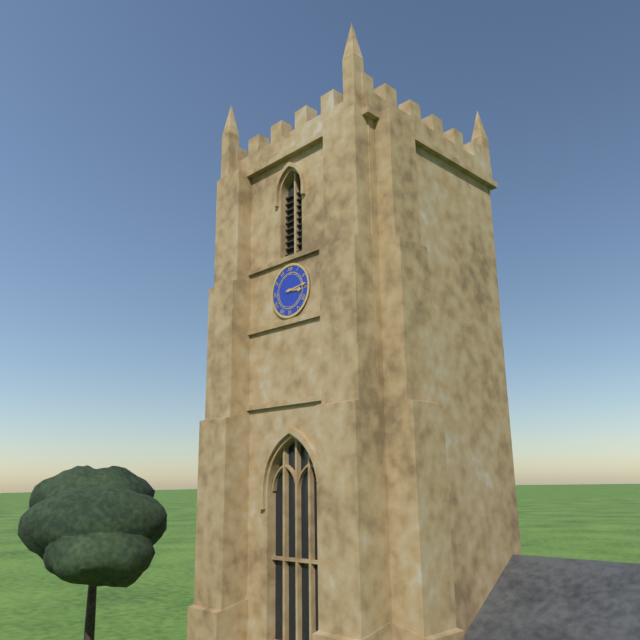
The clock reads 3.14
